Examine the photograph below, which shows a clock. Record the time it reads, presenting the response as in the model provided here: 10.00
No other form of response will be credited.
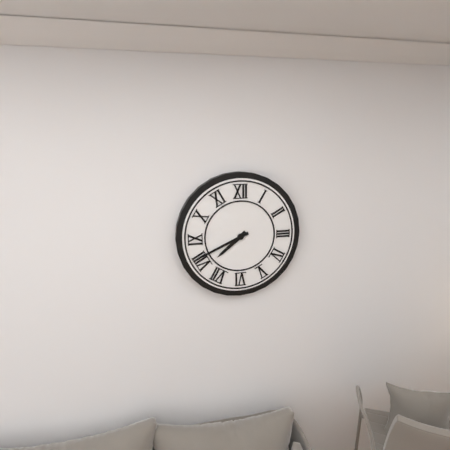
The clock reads 7.41
